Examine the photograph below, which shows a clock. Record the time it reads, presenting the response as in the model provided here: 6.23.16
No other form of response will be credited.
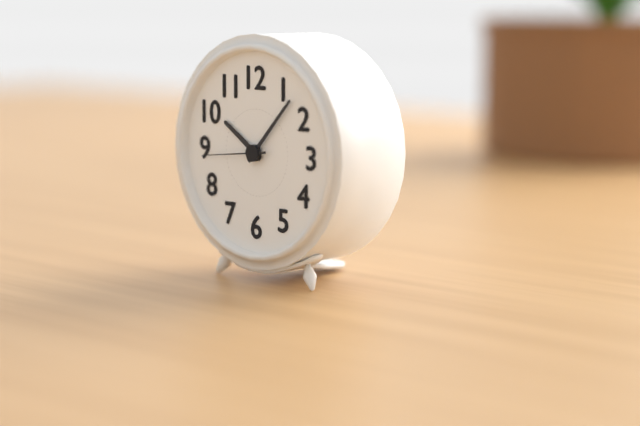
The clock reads 10.07.44
